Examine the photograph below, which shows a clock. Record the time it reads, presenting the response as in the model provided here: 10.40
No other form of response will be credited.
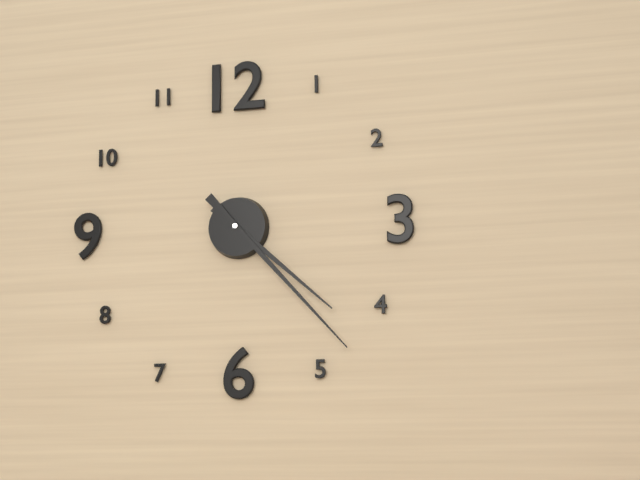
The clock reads 4.23
